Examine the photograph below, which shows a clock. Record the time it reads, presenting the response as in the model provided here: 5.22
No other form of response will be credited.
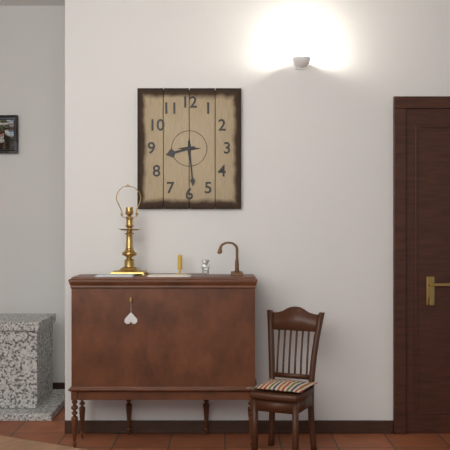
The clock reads 8.29
